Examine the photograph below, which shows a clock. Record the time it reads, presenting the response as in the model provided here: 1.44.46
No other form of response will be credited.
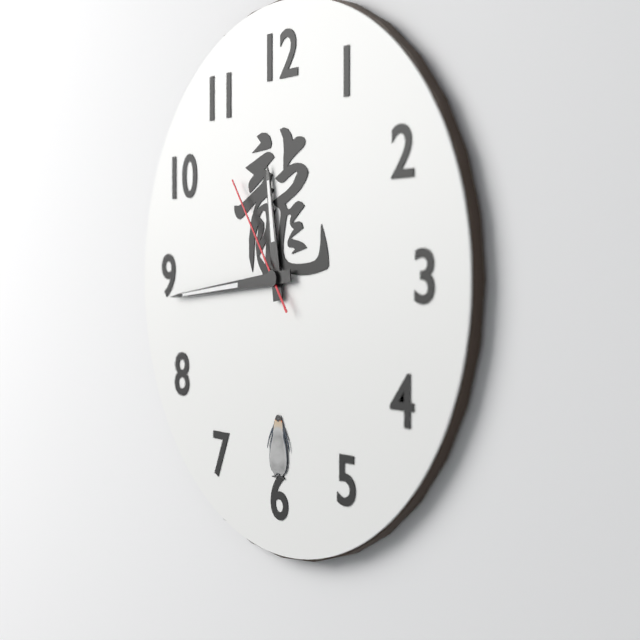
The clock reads 11.44.54
